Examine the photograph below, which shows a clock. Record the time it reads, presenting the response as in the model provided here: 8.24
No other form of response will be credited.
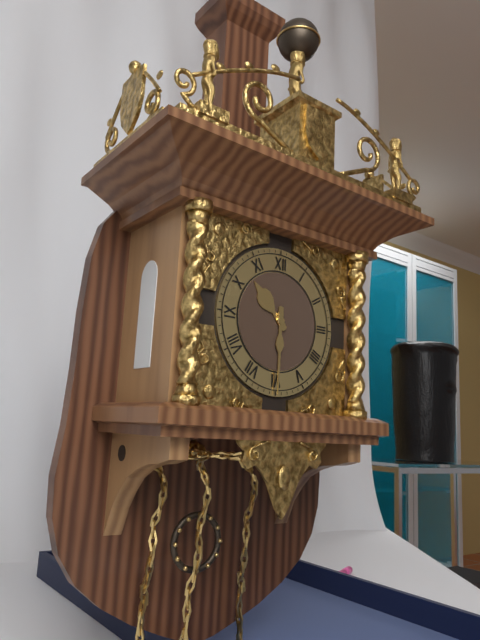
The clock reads 10.30
